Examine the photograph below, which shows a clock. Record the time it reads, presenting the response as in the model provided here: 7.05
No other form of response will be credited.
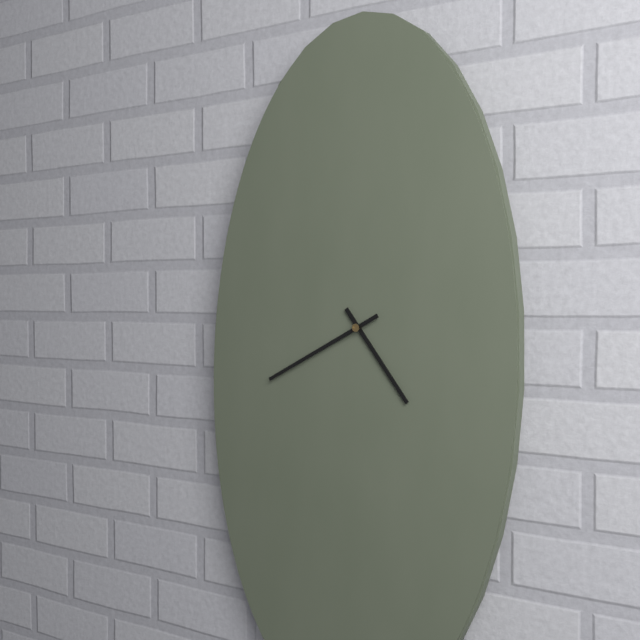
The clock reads 4.40
